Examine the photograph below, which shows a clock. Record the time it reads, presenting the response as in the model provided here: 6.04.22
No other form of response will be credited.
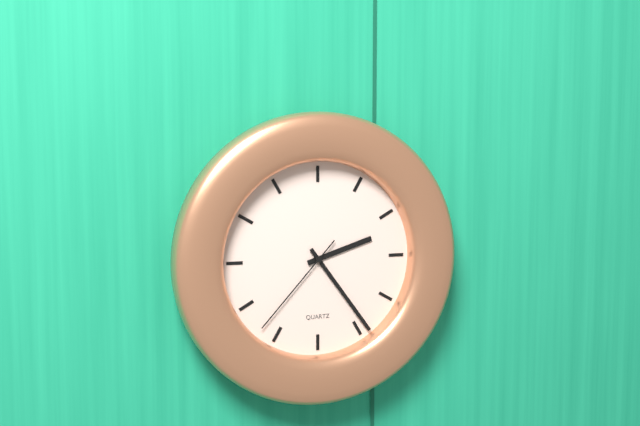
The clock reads 2.24.37
